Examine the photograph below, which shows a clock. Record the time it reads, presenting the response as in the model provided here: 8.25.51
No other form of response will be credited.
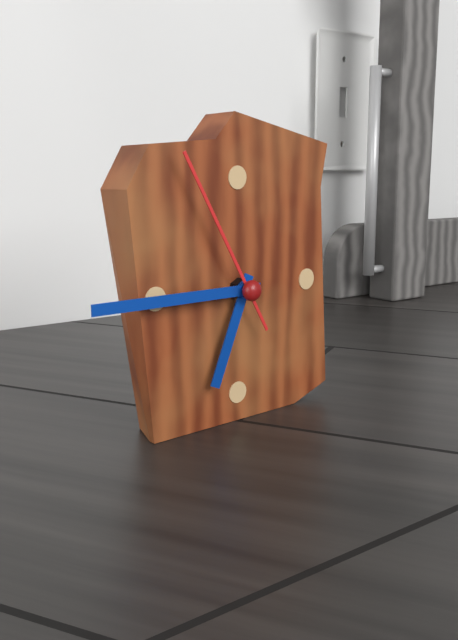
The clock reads 6.45.55
